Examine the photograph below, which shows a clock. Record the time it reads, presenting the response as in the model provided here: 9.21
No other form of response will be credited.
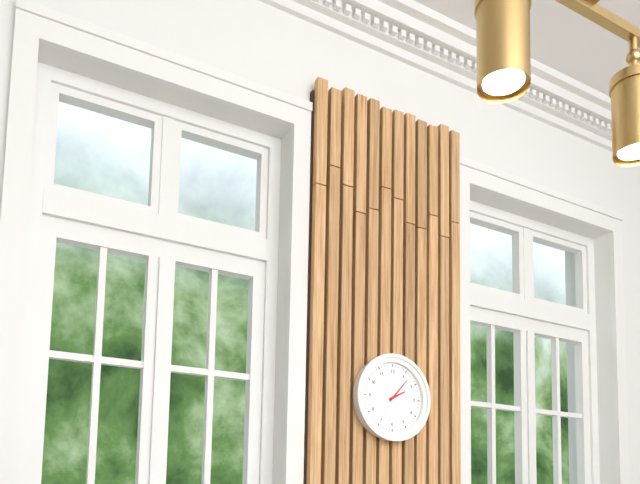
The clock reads 2.07
